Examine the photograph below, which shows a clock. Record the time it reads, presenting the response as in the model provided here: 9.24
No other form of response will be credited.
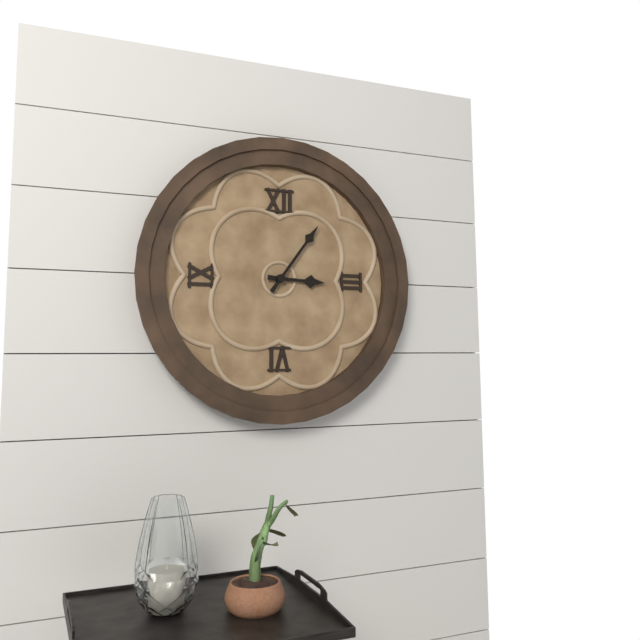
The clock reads 3.06
